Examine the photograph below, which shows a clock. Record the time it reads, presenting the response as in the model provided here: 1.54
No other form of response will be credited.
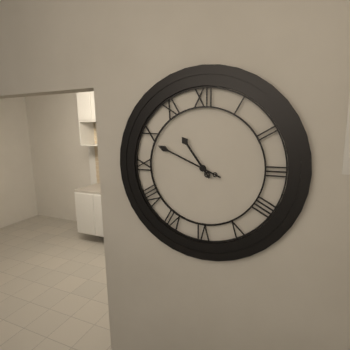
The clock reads 10.49
